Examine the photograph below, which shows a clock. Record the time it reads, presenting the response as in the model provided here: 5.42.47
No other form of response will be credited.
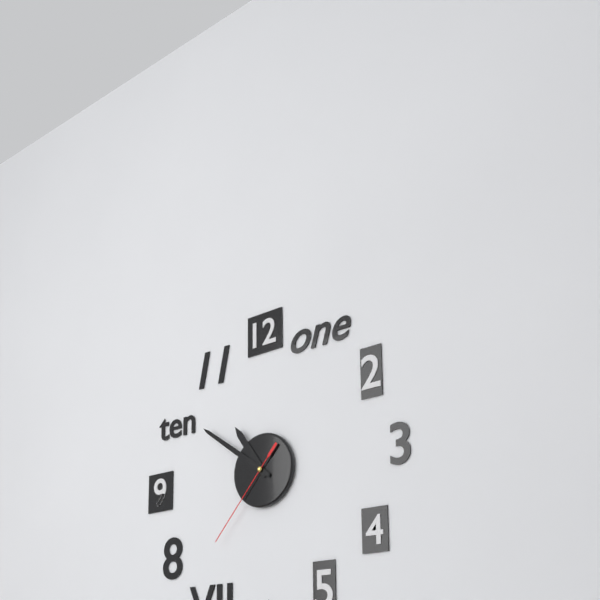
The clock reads 10.51.37
